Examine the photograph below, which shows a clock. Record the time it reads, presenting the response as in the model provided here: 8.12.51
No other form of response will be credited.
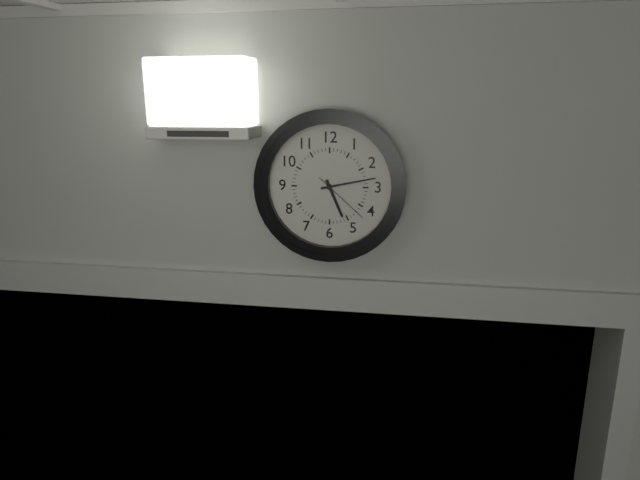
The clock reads 5.13.22
